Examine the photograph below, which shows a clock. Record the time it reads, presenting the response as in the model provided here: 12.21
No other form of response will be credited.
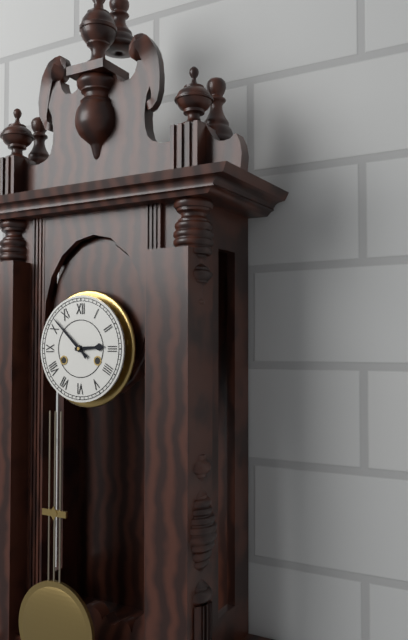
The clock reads 2.52
